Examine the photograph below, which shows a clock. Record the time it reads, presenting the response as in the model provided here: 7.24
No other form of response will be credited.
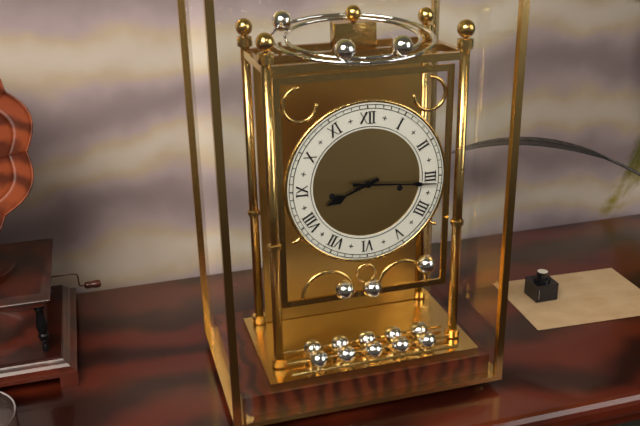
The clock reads 8.16
